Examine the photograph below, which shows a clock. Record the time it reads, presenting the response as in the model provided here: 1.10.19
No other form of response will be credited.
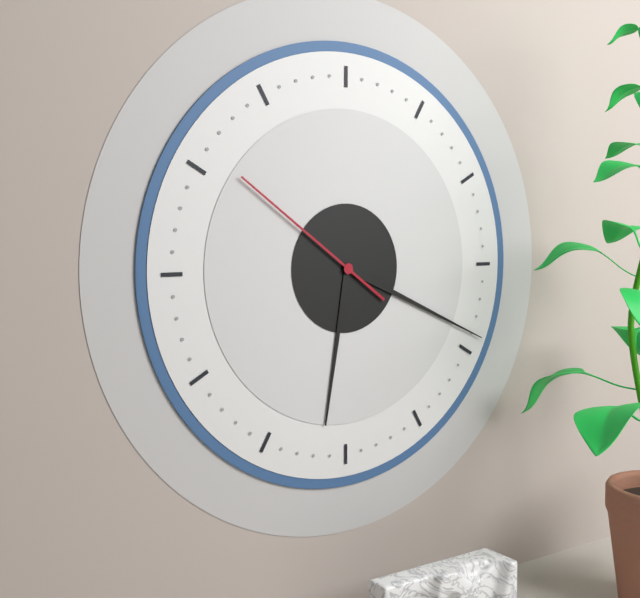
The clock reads 6.19.51
